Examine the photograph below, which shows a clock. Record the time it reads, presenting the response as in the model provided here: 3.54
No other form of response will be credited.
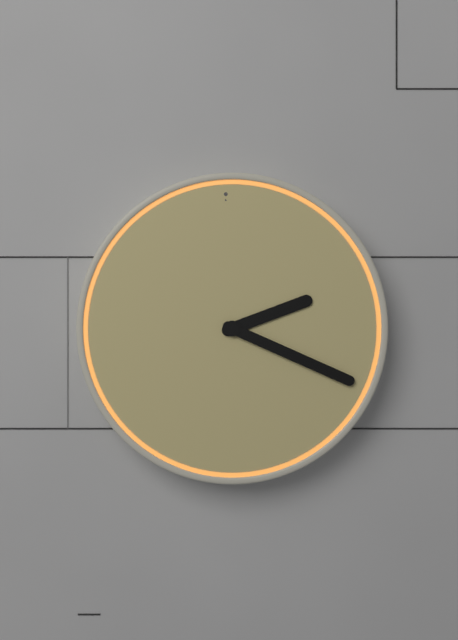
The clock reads 2.19
